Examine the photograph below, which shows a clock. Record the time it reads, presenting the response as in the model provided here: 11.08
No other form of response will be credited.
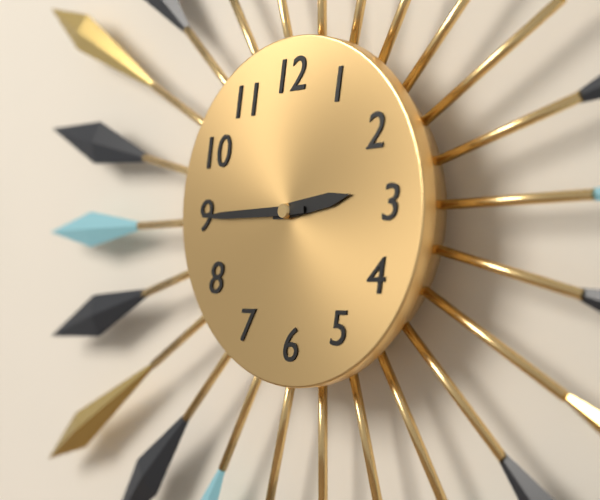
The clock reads 2.45
